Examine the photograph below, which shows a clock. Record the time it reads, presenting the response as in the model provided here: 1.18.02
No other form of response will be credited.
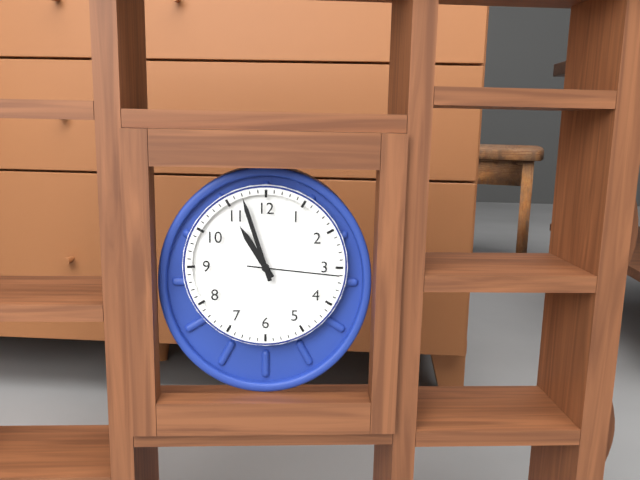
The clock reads 10.57.16
